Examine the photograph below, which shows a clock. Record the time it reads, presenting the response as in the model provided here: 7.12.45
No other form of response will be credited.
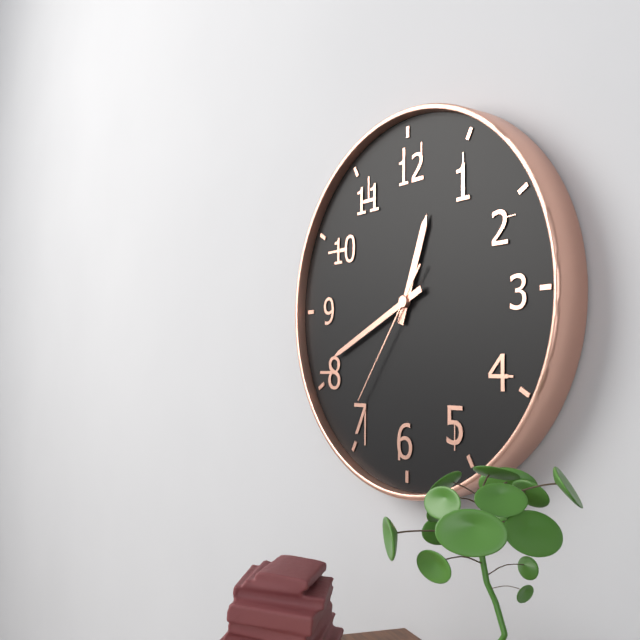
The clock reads 12.41.36
